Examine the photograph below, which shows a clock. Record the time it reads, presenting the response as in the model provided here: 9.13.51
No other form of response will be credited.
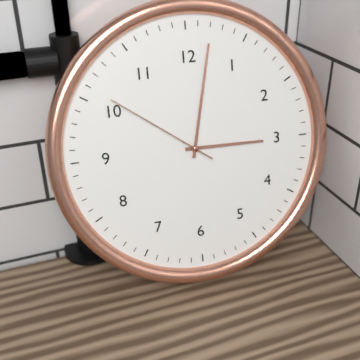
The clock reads 3.02.51
